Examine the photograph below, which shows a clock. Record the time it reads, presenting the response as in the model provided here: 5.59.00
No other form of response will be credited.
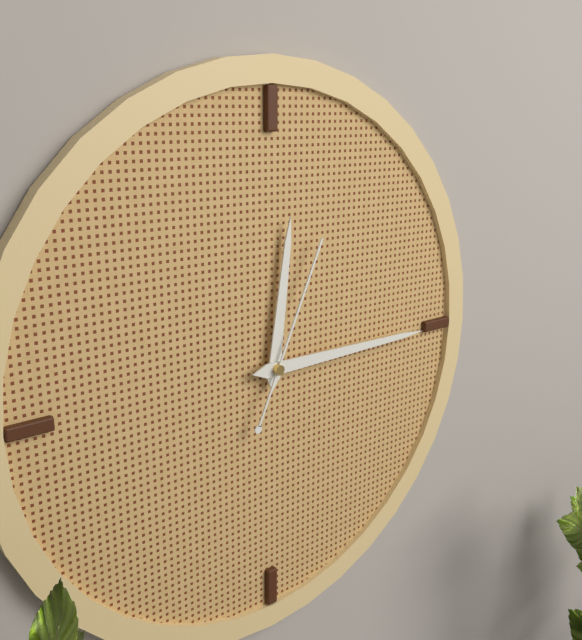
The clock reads 12.15.04
